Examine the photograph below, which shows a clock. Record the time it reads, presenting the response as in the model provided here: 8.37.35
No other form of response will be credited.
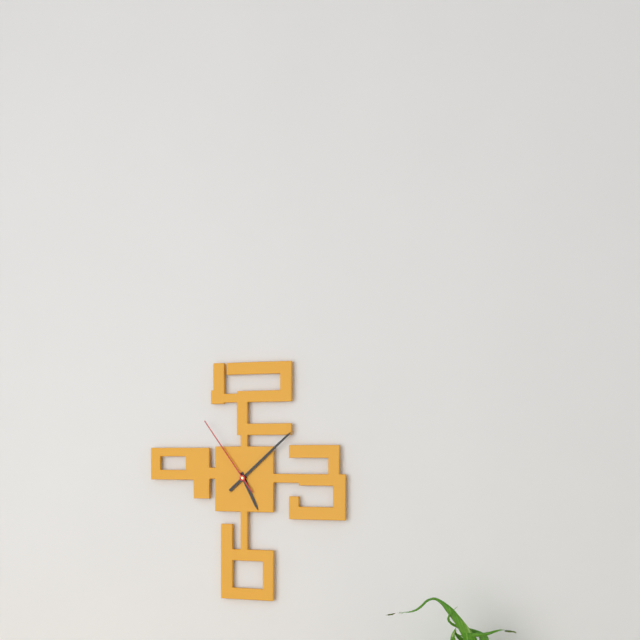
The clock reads 5.08.54
